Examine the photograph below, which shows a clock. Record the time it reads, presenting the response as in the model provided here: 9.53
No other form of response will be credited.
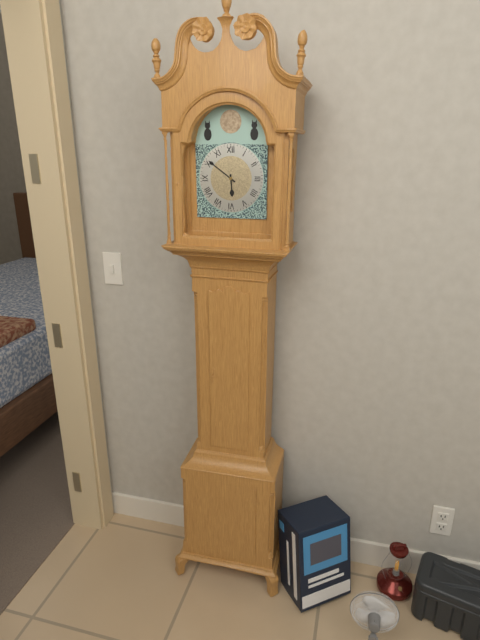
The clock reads 5.51
